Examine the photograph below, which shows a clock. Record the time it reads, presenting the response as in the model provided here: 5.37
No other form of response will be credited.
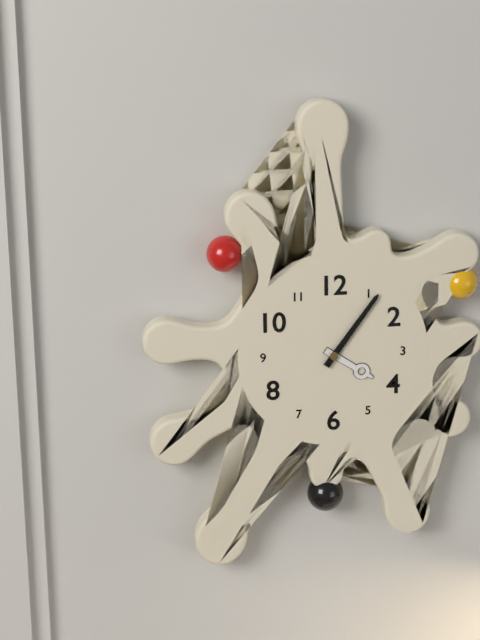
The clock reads 4.06
